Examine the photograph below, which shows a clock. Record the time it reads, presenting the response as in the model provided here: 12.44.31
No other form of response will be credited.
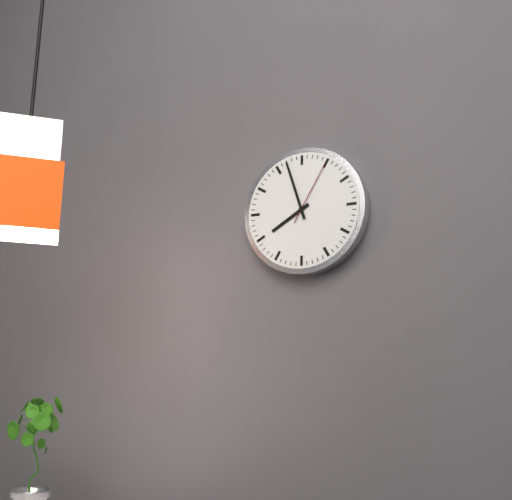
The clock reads 7.57.05
